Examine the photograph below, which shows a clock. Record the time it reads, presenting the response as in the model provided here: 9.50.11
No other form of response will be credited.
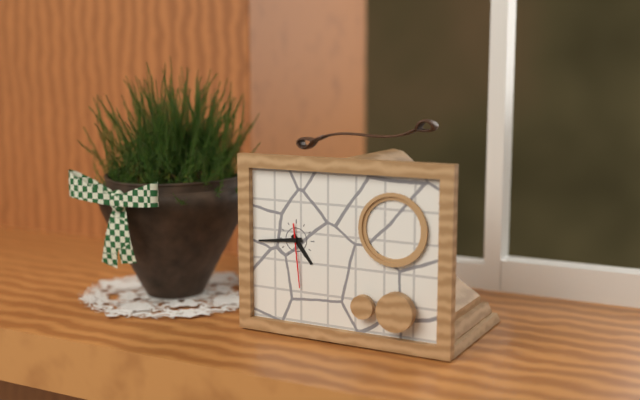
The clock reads 4.44.29
